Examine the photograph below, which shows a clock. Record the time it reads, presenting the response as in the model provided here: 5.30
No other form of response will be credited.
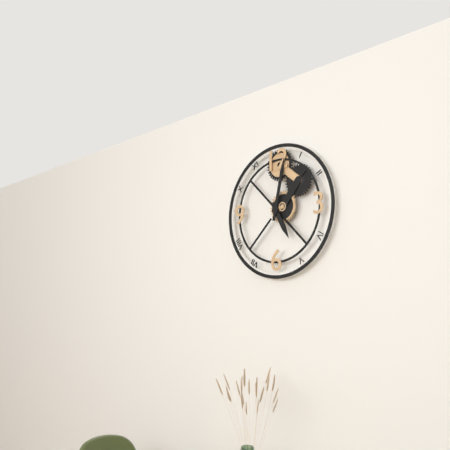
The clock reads 5.02
